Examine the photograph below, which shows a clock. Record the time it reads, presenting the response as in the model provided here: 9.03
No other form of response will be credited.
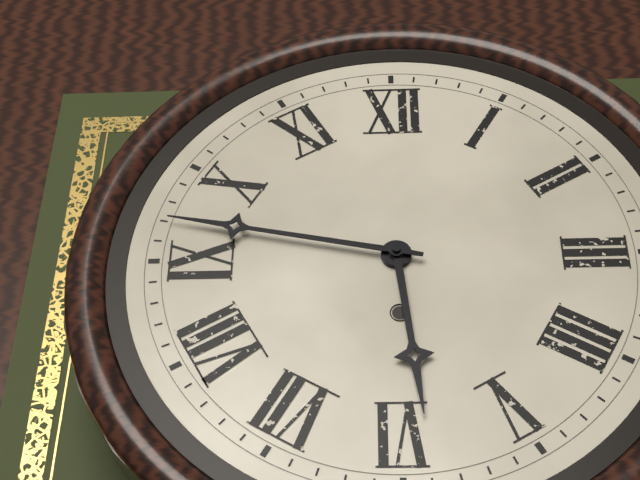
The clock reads 5.47
